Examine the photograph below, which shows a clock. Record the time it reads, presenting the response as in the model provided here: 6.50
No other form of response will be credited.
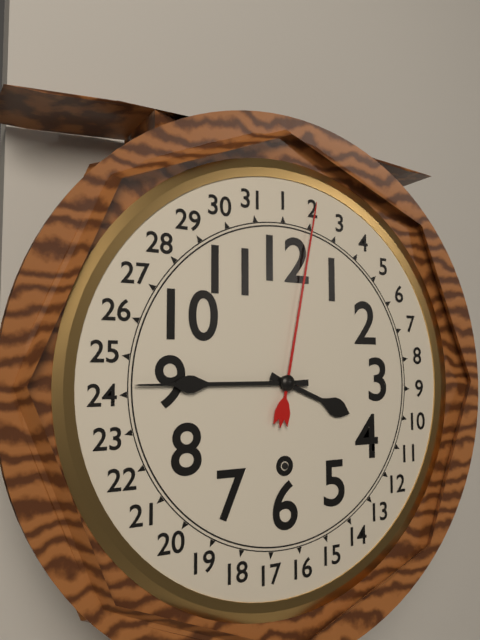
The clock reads 3.45
